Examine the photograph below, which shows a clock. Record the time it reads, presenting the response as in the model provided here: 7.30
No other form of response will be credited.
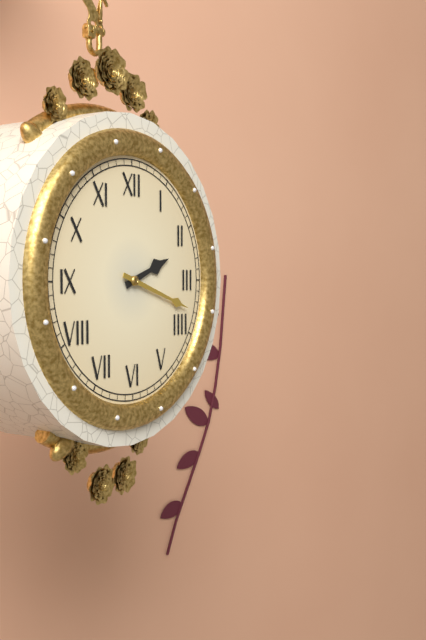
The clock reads 2.18
